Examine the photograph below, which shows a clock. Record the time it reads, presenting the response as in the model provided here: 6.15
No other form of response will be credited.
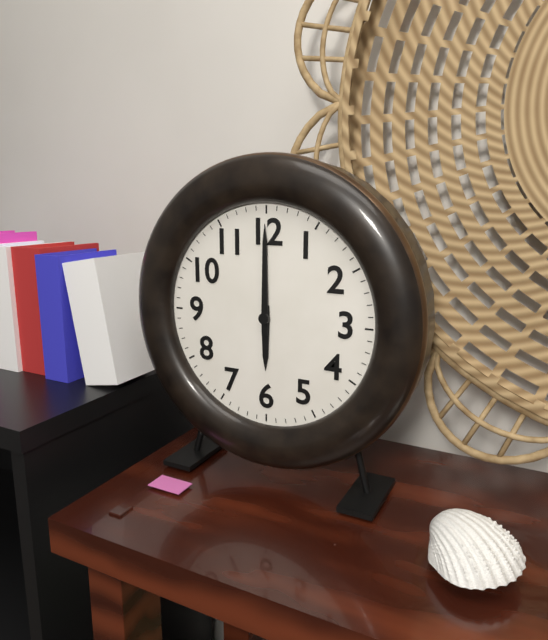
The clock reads 6.00
